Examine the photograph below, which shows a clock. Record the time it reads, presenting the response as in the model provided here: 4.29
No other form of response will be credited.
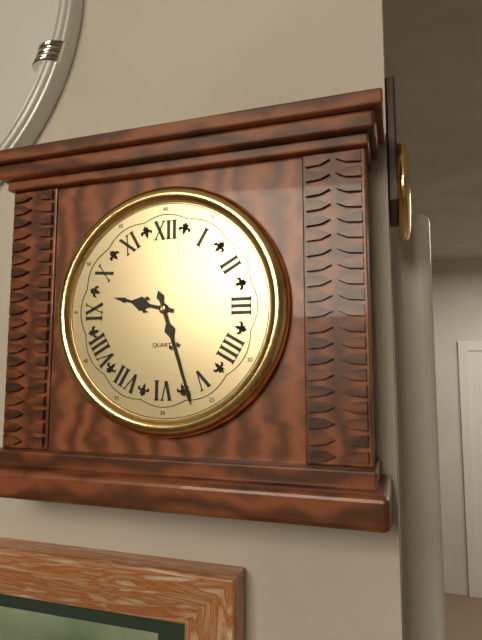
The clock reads 9.27
